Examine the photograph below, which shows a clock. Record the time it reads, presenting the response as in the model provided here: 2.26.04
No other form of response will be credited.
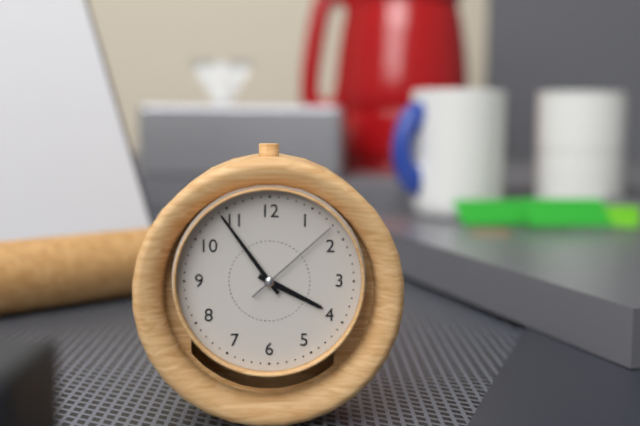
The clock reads 3.54.08
